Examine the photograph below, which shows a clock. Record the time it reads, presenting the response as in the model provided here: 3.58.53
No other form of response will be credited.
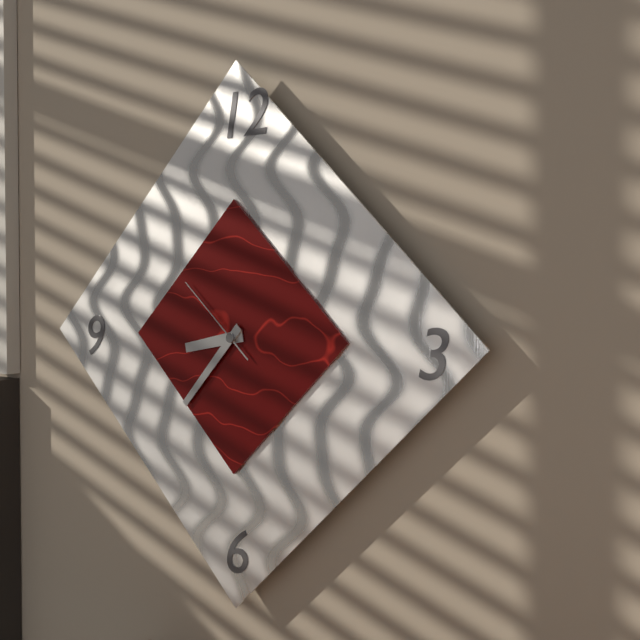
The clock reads 8.37.52
